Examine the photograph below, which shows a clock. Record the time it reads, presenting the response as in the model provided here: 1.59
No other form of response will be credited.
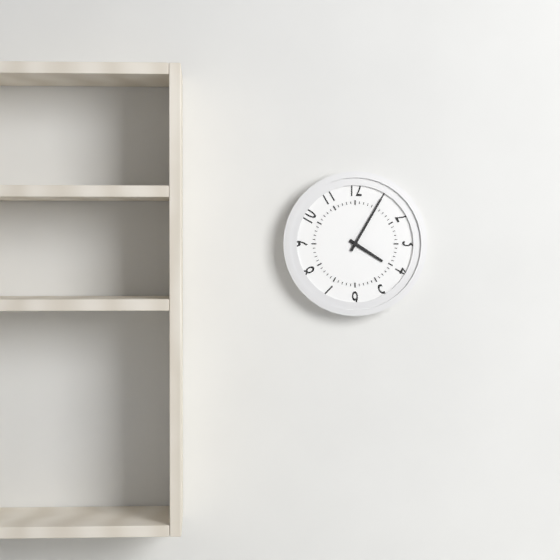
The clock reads 4.05
